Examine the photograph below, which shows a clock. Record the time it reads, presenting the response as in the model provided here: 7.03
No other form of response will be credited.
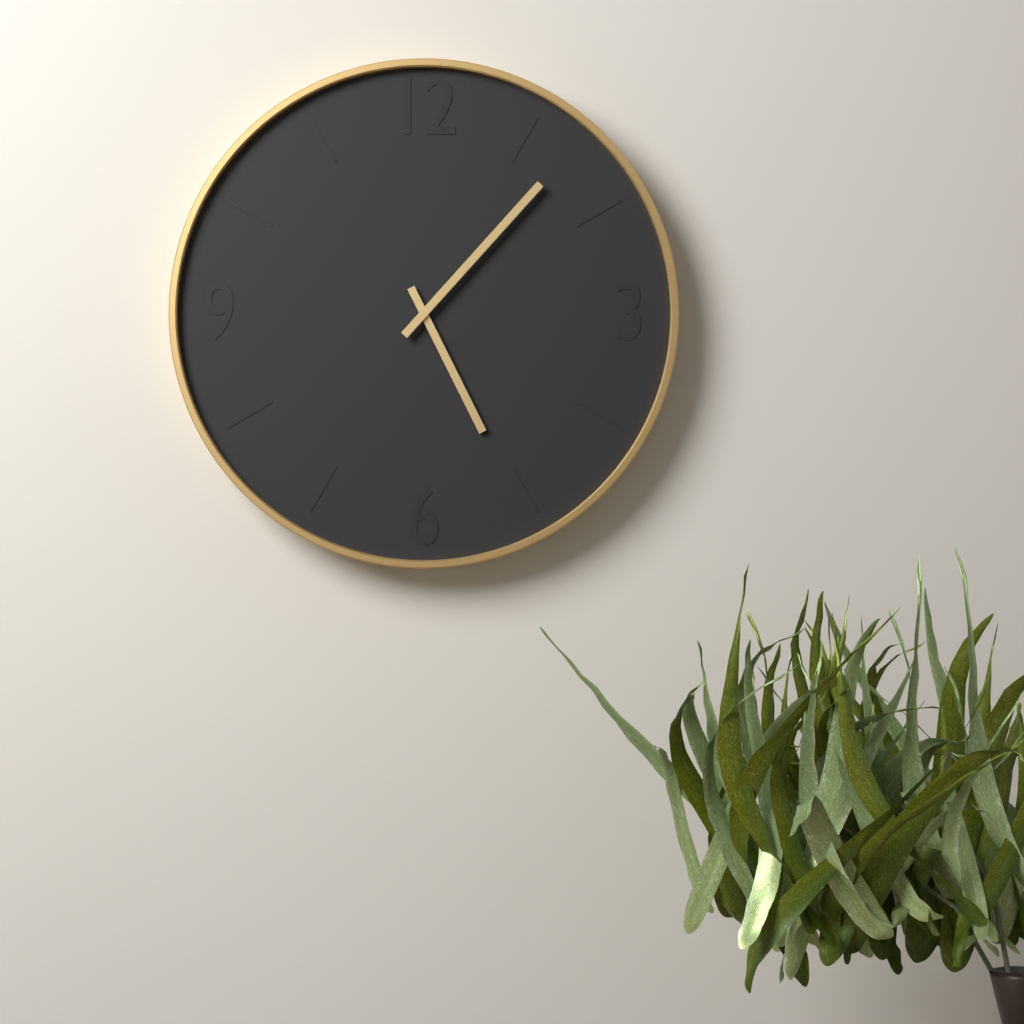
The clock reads 5.07
